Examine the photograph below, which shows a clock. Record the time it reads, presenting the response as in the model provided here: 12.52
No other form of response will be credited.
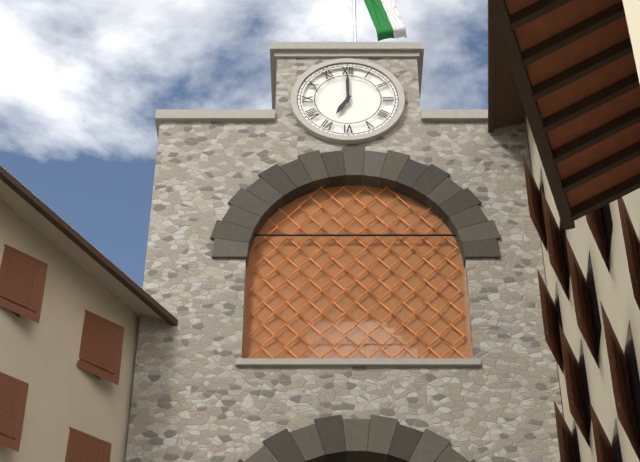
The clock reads 7.00
